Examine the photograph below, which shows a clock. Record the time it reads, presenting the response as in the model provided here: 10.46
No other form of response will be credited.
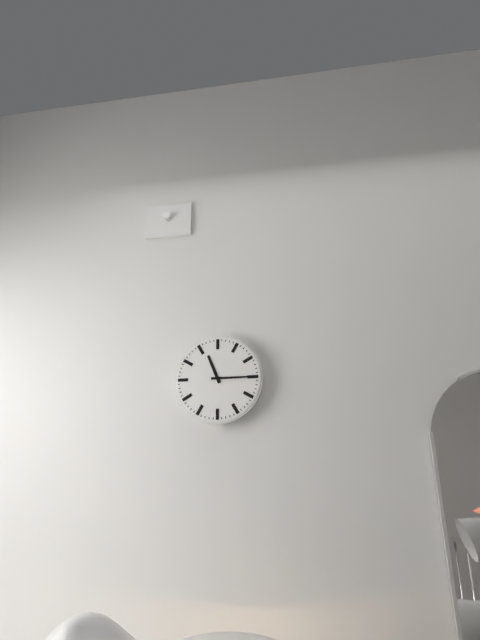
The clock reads 11.15
